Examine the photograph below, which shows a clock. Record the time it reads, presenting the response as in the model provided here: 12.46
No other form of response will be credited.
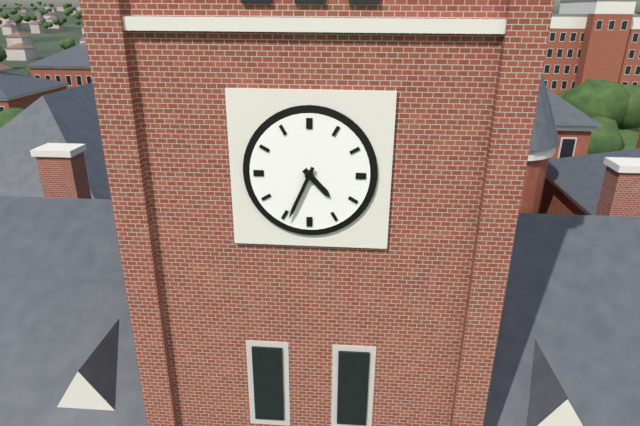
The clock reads 4.34
